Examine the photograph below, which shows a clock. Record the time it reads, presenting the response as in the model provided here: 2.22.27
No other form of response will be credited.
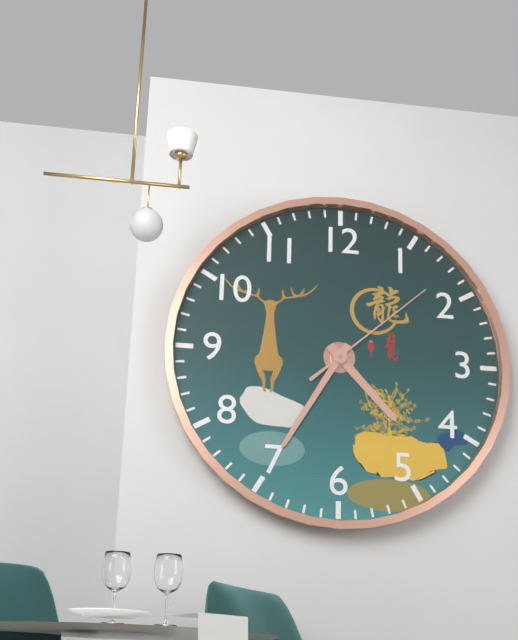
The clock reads 4.35.08
